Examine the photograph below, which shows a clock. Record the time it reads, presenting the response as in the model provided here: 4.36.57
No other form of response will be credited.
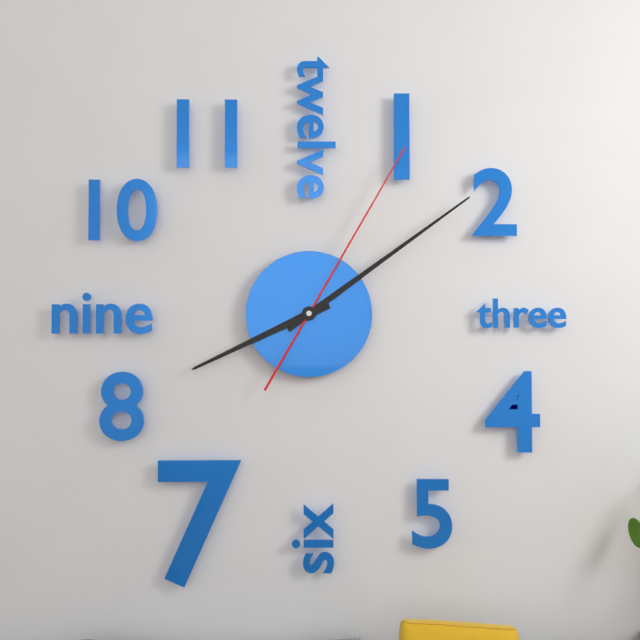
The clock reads 8.09.05
